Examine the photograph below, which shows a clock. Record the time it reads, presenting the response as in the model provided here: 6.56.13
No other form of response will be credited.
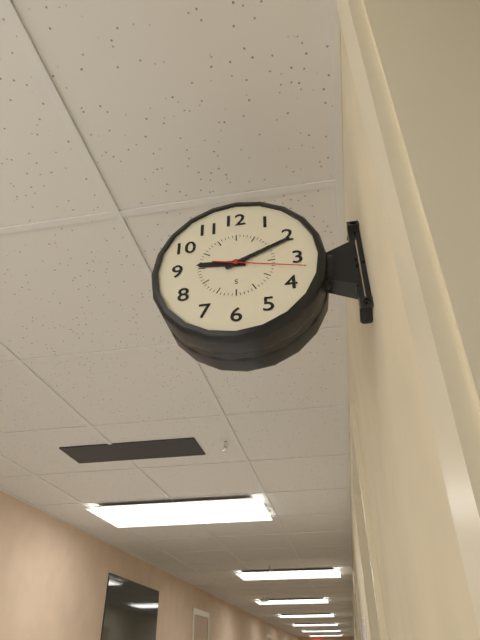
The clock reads 9.11.17
